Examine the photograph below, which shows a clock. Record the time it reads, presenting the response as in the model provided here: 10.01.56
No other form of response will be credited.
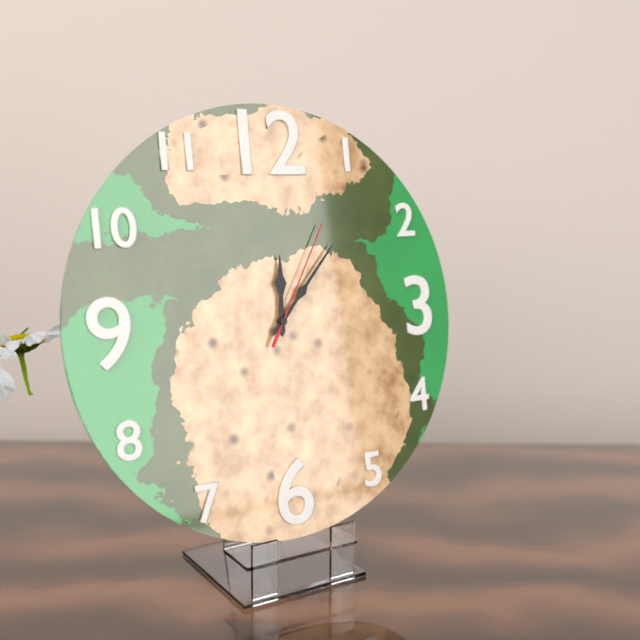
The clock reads 12.07.05
